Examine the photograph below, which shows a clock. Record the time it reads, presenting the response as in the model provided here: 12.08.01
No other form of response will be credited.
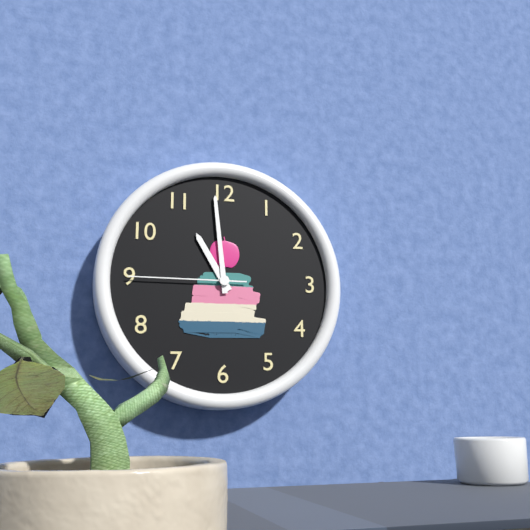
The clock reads 10.59.45
